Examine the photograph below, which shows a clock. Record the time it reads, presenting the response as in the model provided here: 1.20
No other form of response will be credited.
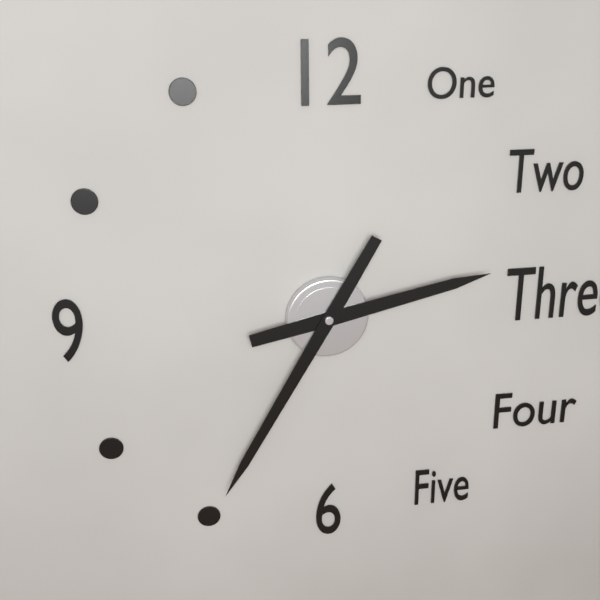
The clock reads 2.35
